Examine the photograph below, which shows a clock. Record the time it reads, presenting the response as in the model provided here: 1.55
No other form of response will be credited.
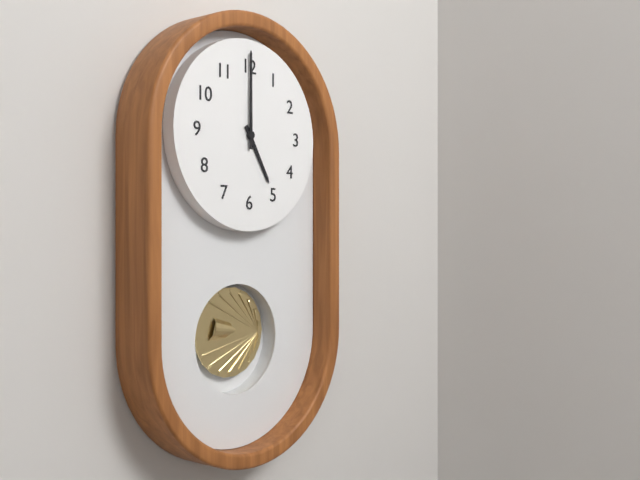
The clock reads 5.00
